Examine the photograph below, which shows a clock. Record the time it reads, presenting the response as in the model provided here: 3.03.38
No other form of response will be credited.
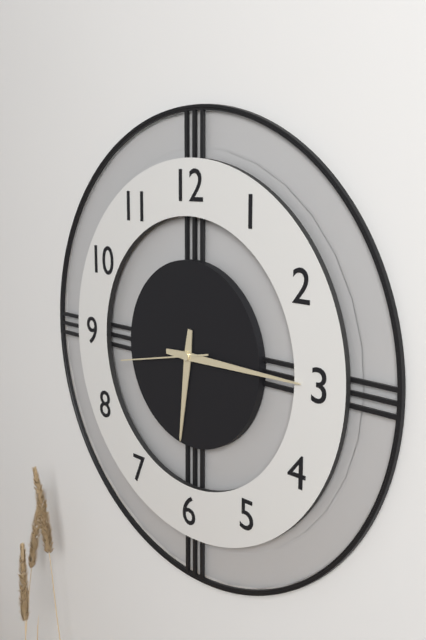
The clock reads 6.15.43
